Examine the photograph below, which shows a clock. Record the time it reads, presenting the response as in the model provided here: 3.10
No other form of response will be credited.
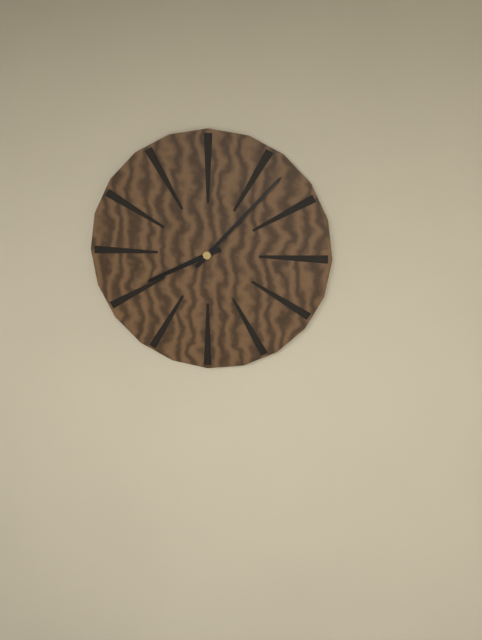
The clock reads 8.07
